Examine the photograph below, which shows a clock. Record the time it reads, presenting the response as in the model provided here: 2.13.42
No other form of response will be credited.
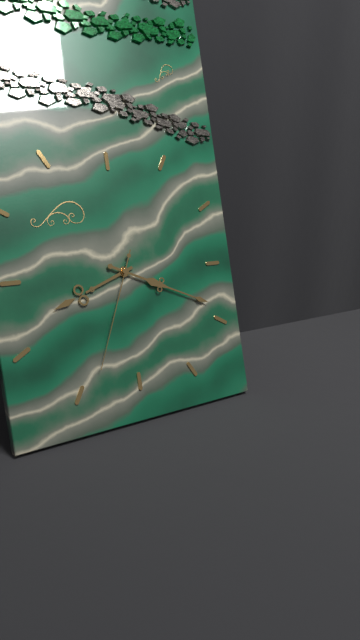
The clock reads 8.19.34
